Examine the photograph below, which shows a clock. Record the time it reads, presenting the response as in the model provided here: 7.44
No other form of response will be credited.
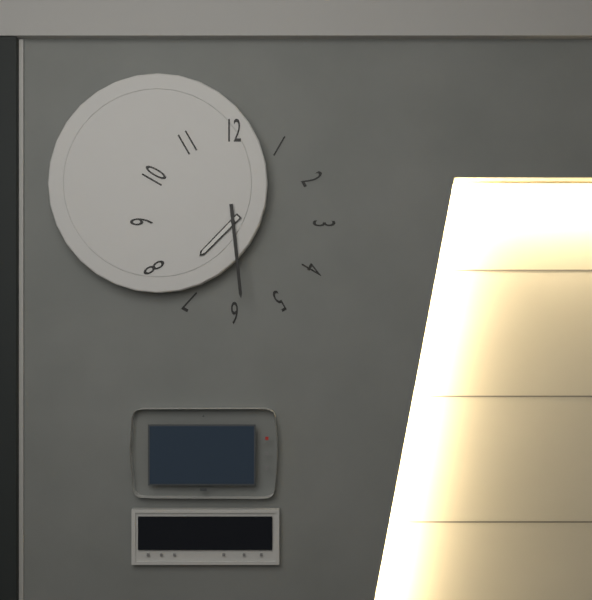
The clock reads 7.29
